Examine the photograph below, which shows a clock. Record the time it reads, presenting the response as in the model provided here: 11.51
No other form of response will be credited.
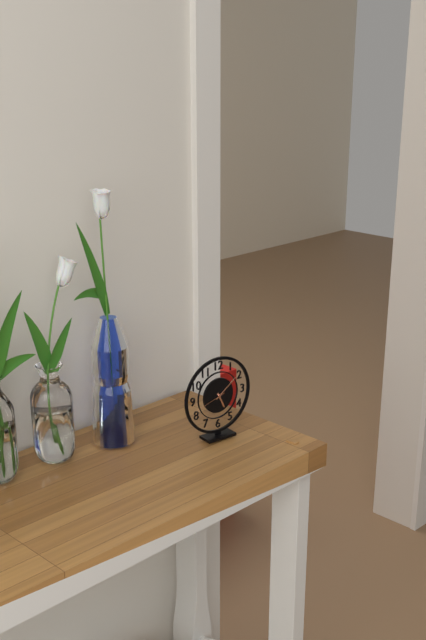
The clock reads 5.09
